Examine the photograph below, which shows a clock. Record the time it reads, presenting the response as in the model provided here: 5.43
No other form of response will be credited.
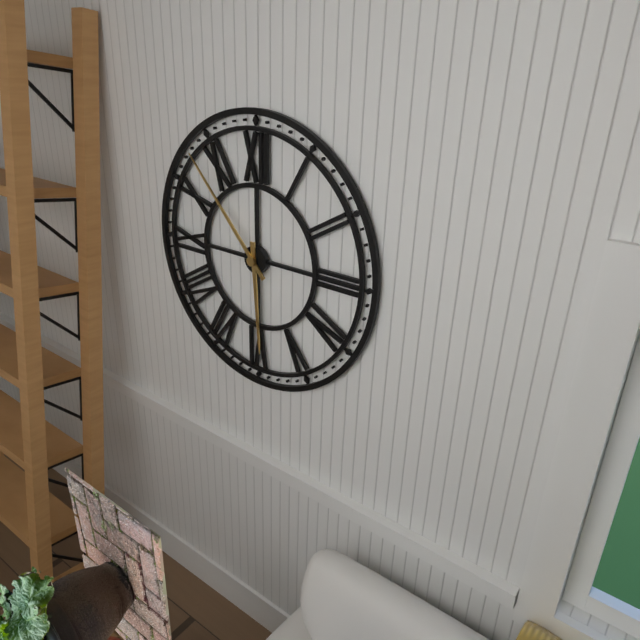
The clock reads 5.53
